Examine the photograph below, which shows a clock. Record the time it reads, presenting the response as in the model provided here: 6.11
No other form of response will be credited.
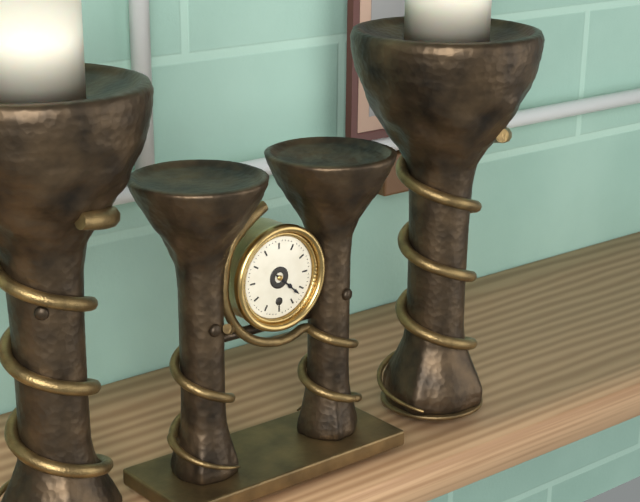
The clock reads 4.22
